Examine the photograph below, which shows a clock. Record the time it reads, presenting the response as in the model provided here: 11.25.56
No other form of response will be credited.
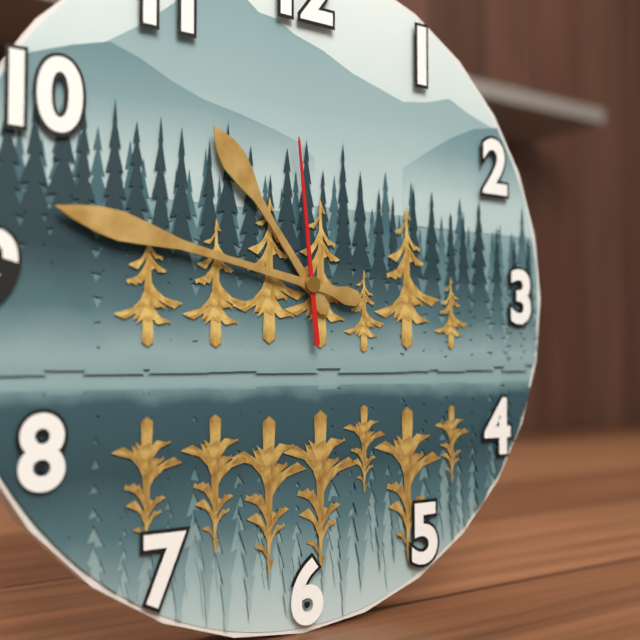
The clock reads 10.47.59
